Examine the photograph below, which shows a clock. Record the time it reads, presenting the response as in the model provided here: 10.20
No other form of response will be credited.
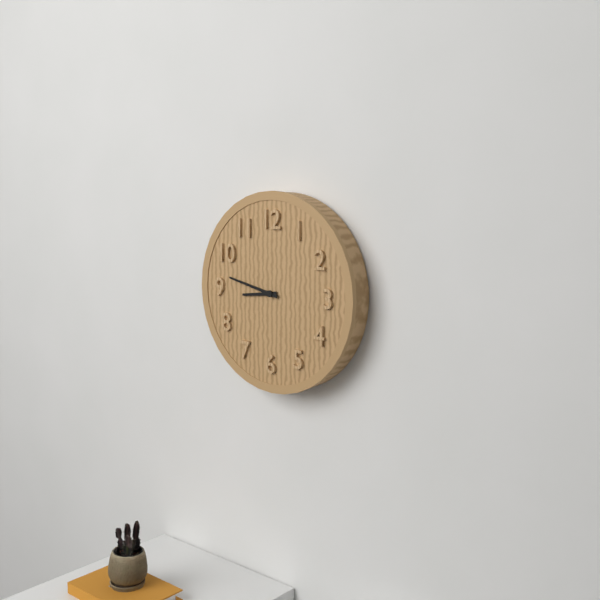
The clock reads 8.47
